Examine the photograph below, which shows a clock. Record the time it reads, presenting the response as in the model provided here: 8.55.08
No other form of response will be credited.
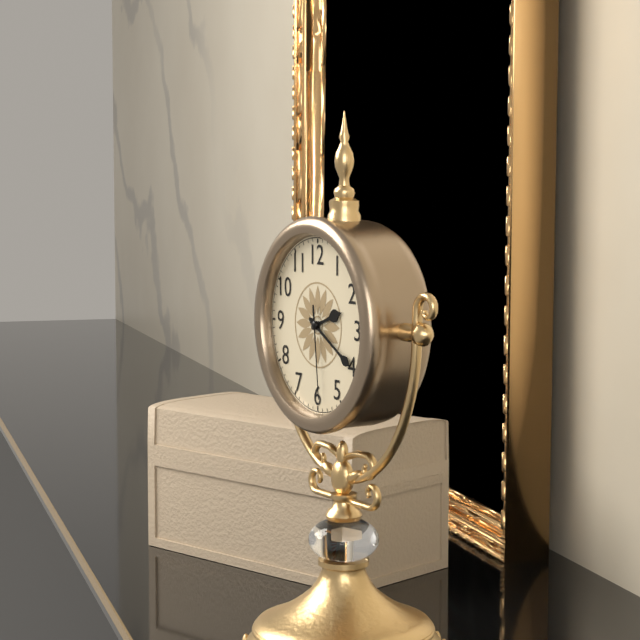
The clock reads 2.20.29
